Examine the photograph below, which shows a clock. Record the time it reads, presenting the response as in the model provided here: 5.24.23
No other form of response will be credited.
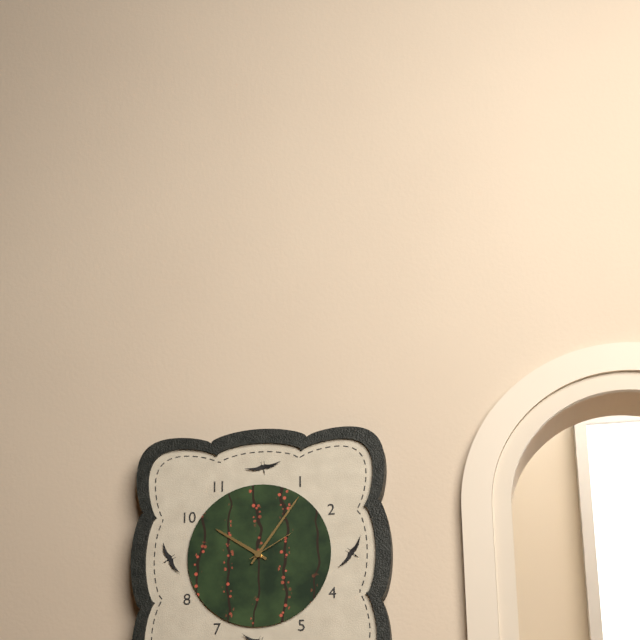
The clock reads 10.06.10
